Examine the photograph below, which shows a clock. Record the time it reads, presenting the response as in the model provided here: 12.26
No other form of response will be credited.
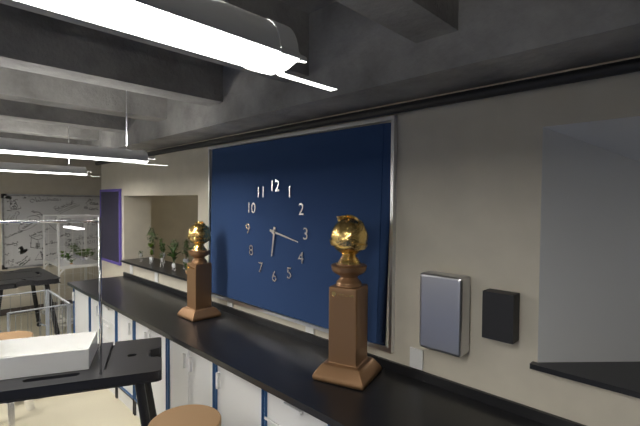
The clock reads 6.17
